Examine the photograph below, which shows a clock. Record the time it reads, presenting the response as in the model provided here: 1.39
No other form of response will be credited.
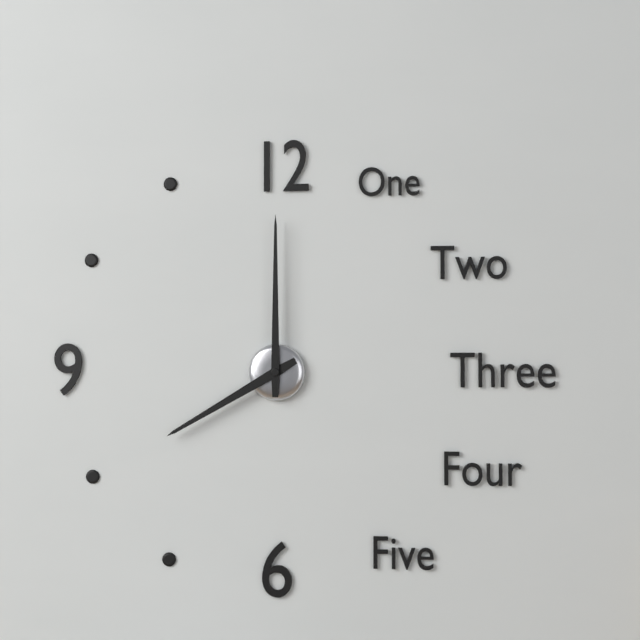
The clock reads 8.00
